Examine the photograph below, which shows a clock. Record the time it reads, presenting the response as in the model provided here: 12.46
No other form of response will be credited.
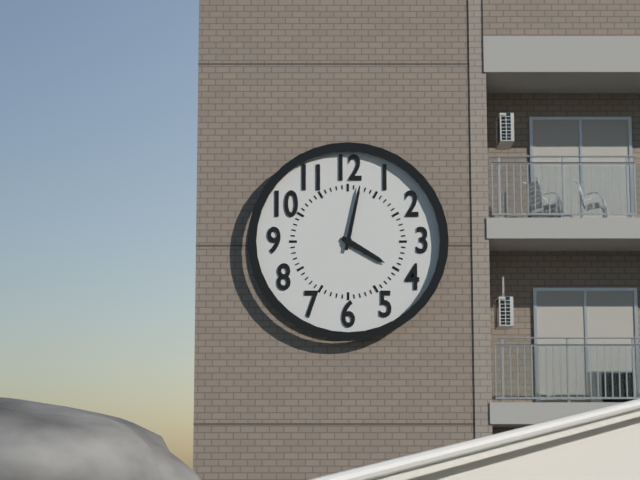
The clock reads 4.02
